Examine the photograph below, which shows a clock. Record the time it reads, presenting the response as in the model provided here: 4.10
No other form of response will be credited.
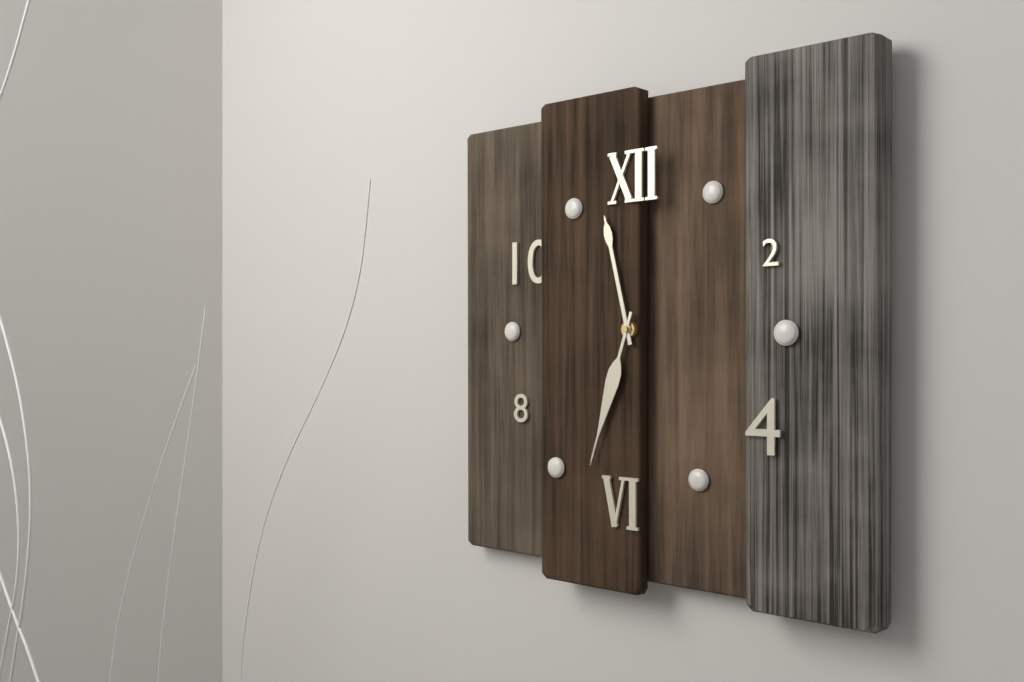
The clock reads 11.33
